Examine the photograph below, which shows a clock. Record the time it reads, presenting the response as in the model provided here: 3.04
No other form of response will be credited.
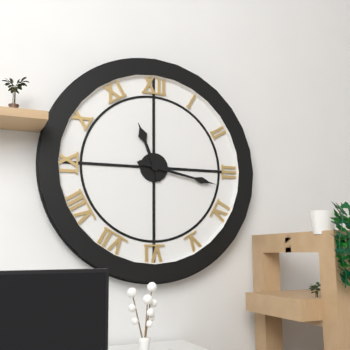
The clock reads 11.17
